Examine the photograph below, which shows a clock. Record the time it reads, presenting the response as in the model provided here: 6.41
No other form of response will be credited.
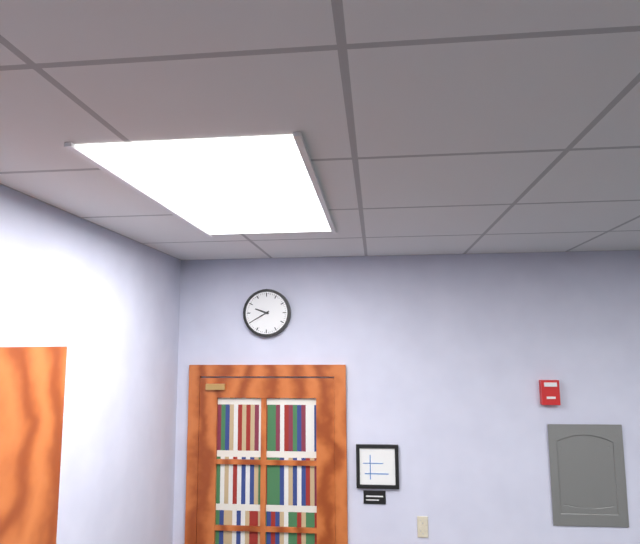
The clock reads 9.40
